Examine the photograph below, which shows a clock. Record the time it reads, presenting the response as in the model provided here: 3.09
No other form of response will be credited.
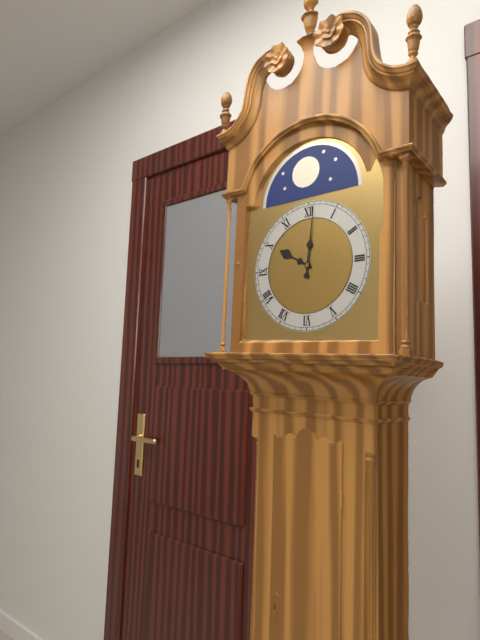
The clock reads 10.01
